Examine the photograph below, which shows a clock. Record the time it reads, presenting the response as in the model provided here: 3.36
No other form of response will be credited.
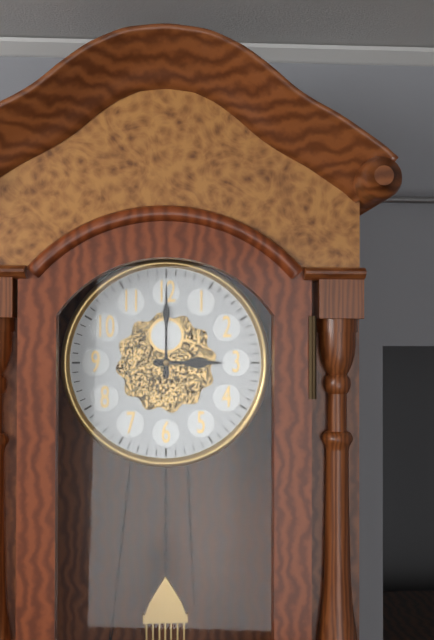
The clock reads 3.00
